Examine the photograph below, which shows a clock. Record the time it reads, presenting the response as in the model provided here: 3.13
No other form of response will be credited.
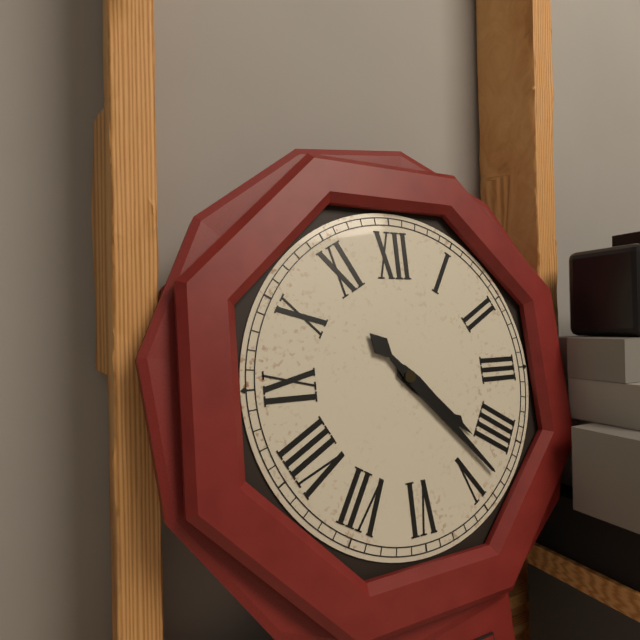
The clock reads 4.23
